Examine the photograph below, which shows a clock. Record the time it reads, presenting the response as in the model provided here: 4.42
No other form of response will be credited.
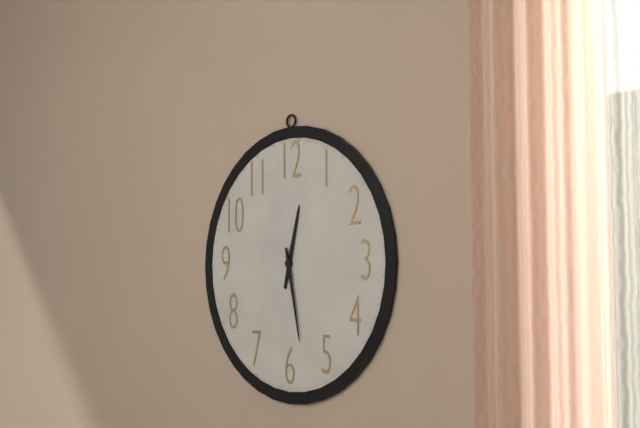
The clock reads 12.28
